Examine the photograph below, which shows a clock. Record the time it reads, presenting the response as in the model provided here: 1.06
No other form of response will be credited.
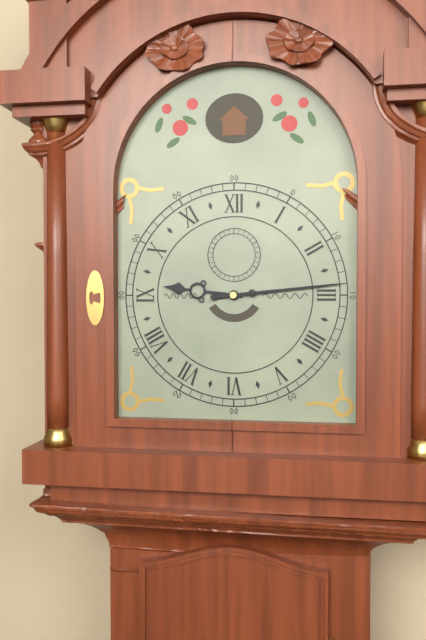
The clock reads 9.14
